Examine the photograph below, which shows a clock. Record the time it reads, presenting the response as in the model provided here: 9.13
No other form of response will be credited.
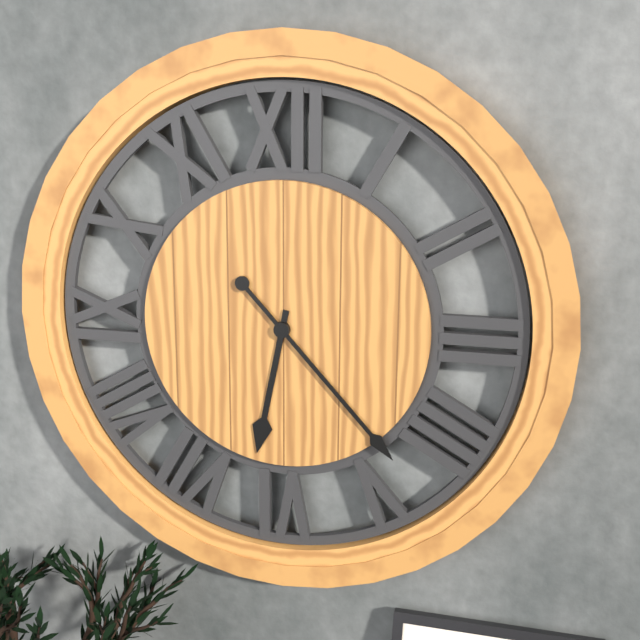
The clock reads 6.23
